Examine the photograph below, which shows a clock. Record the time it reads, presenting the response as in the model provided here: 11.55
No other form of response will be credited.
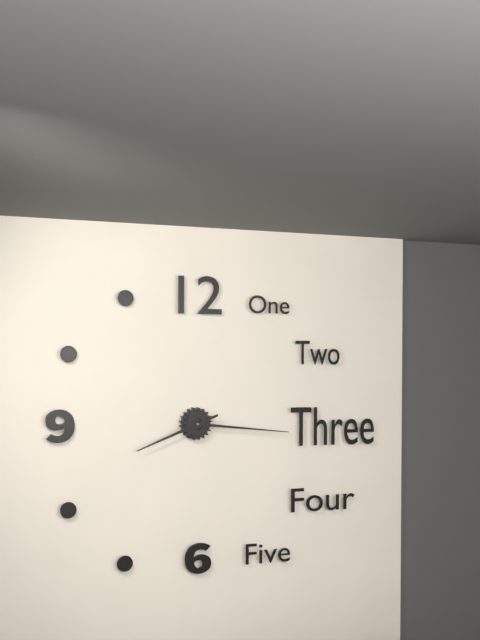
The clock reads 8.16
